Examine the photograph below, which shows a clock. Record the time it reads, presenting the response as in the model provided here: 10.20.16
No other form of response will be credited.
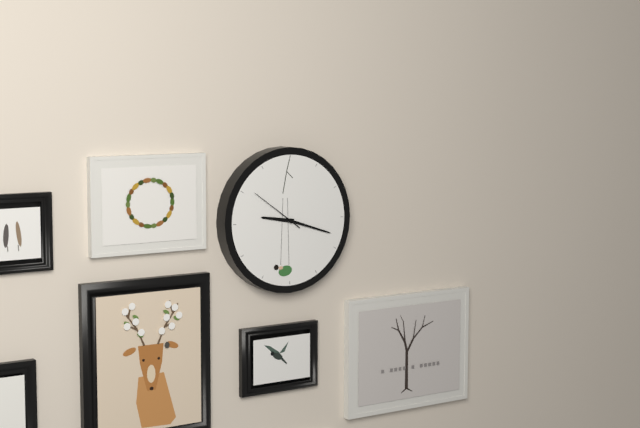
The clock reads 9.18.51
